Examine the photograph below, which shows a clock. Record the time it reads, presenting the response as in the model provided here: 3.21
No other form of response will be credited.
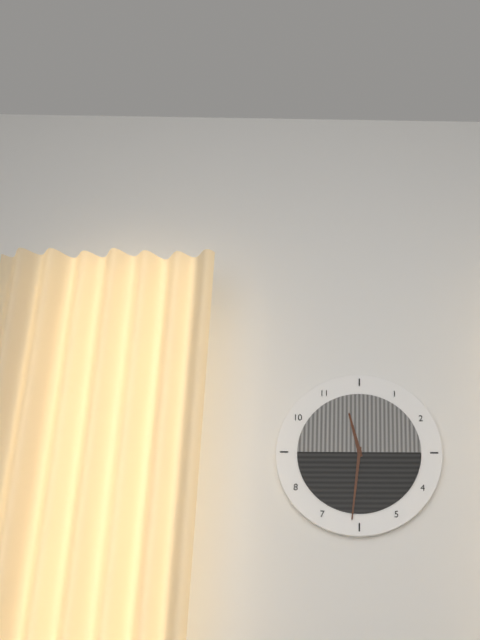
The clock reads 11.31
